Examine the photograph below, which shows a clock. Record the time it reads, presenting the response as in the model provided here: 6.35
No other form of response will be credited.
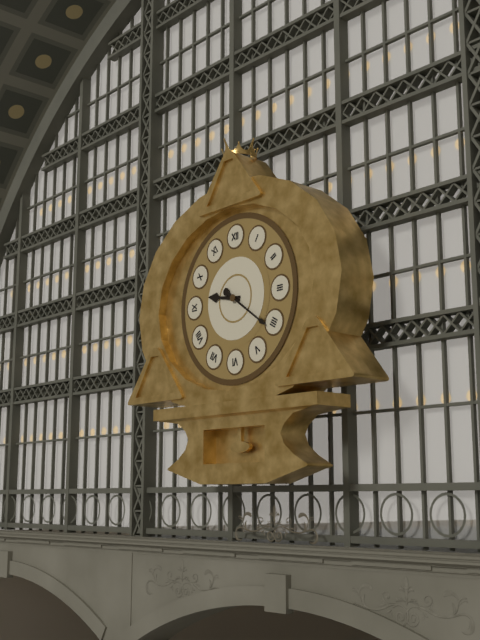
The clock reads 9.21
